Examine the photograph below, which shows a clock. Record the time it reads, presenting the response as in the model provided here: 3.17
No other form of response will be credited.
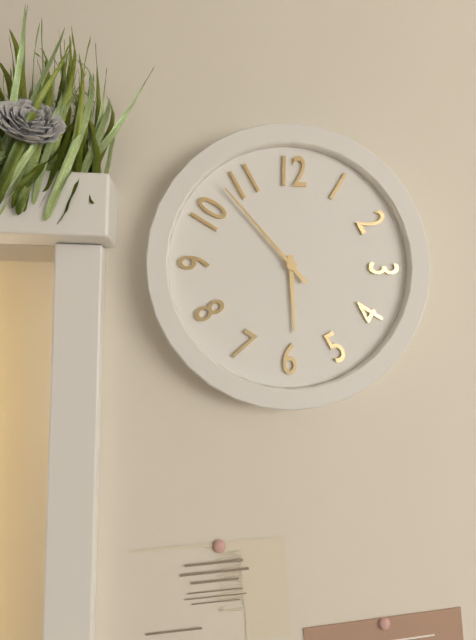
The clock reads 5.53
